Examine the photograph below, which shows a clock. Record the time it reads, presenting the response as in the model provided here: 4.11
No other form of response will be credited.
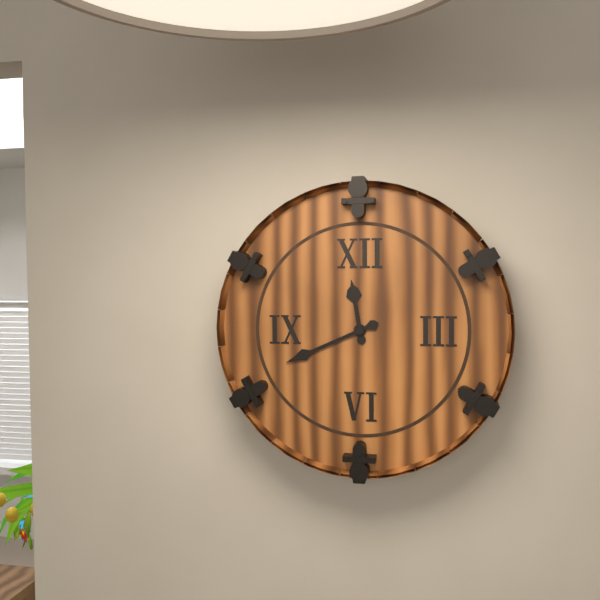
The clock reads 11.41
